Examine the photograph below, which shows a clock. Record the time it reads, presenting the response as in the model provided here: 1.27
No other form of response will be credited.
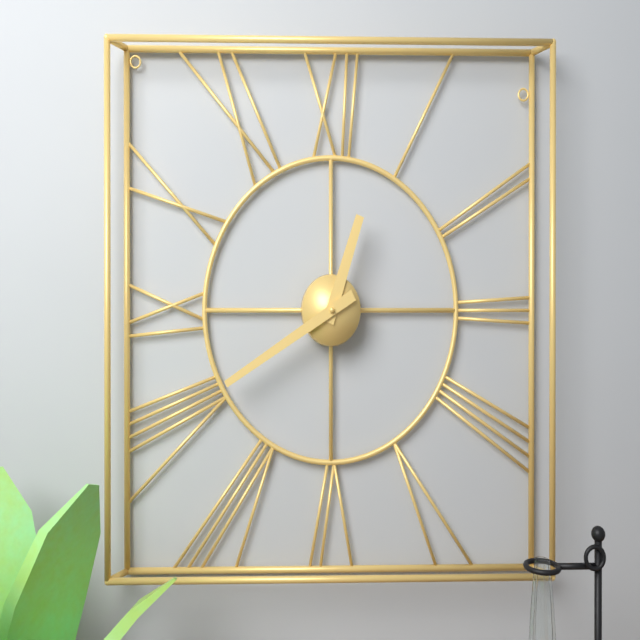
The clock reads 12.40
